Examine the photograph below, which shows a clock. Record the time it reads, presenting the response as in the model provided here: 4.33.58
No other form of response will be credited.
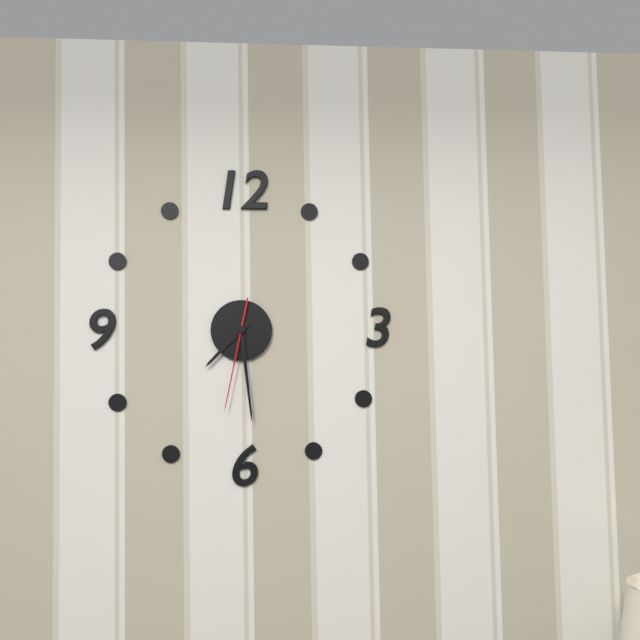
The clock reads 7.29.32
